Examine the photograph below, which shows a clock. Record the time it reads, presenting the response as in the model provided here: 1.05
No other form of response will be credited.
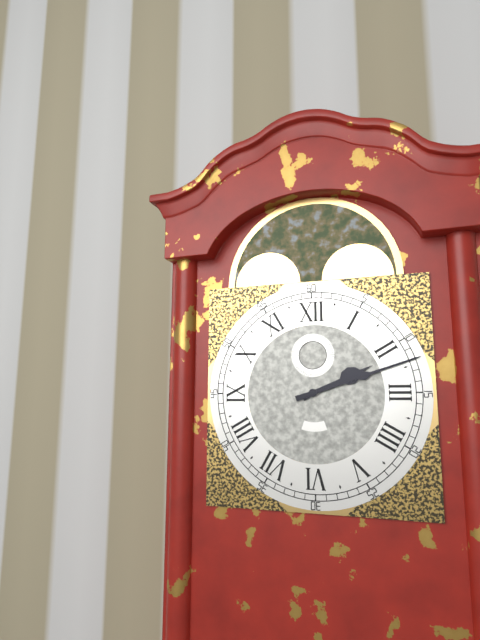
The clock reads 2.12
